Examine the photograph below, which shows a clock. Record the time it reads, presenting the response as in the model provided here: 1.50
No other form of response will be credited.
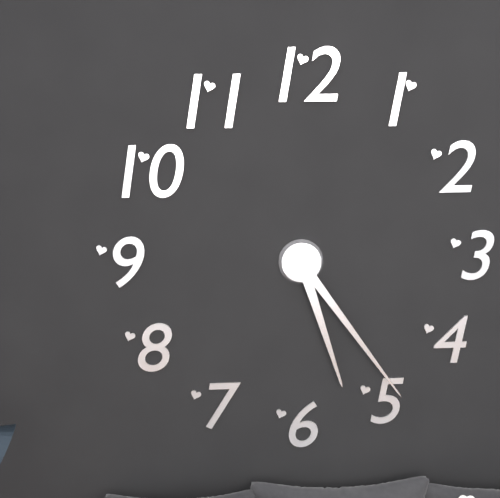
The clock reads 5.24
